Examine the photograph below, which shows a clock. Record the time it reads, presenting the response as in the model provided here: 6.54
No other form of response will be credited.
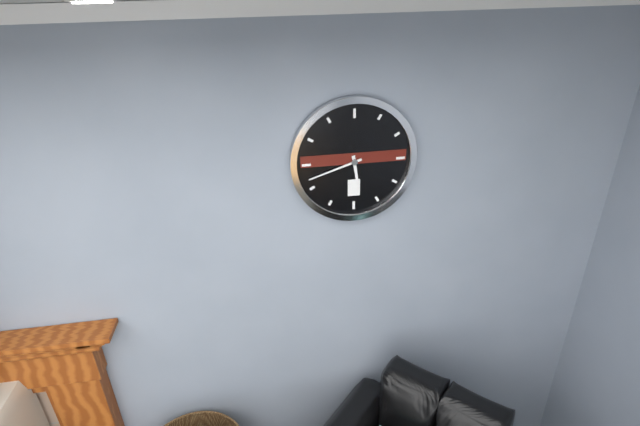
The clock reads 5.42
